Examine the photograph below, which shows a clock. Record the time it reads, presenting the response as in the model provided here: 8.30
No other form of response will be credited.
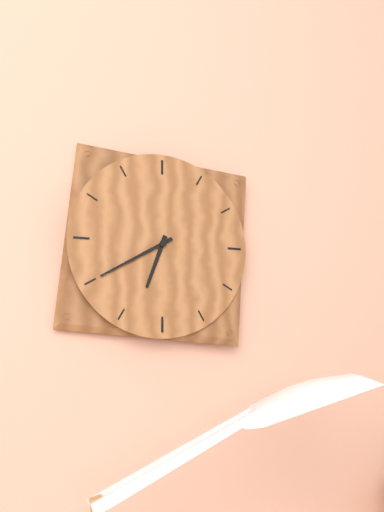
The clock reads 6.40
